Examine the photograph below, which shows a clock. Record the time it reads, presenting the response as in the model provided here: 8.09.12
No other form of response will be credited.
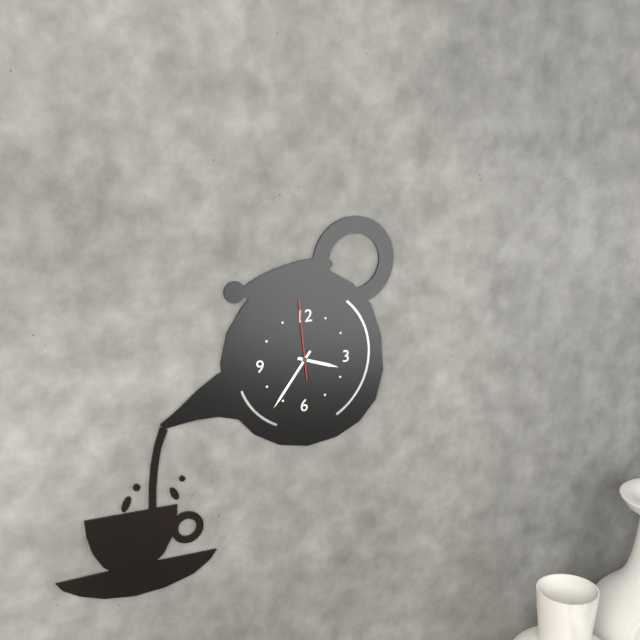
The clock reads 3.36.59
